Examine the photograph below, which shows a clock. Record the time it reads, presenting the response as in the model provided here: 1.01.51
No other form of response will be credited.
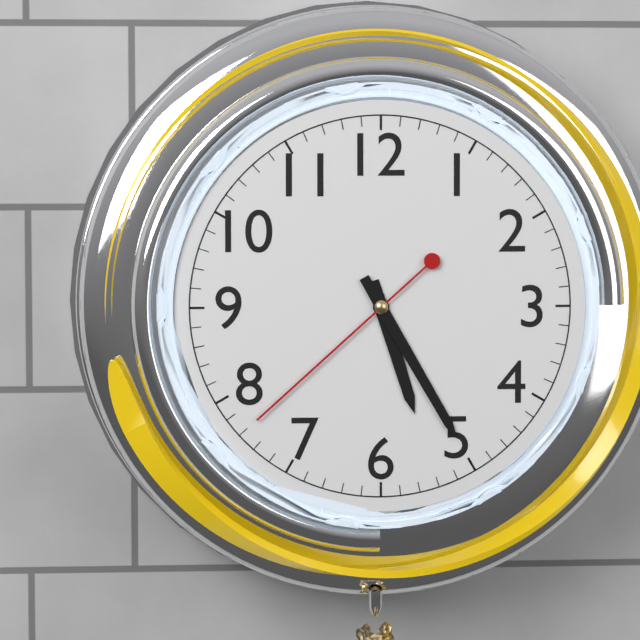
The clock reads 5.25.38
